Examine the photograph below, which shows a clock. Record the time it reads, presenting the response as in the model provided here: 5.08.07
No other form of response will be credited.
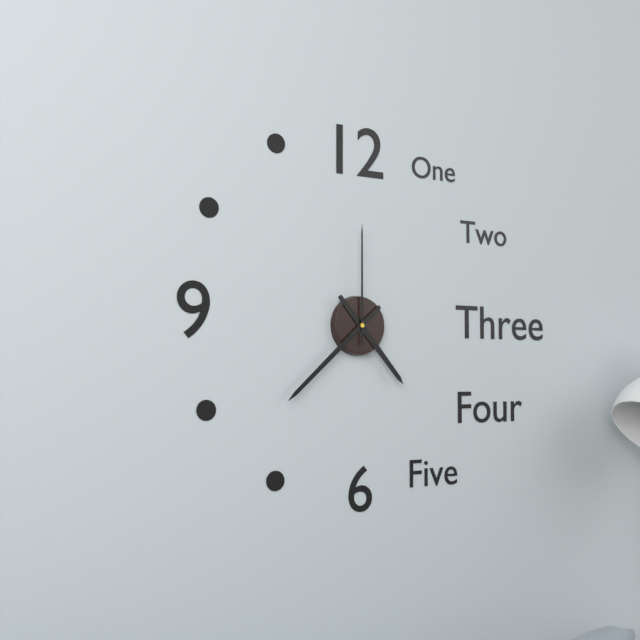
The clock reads 4.38.00
